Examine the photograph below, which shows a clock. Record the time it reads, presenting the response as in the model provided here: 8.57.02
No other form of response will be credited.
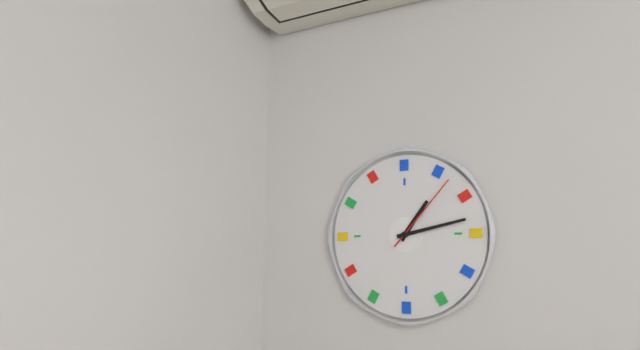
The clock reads 1.13.07
